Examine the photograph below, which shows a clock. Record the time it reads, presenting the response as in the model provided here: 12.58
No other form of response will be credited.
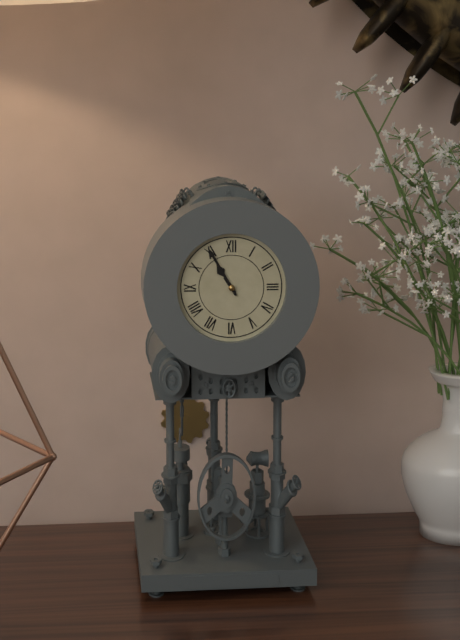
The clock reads 10.55
